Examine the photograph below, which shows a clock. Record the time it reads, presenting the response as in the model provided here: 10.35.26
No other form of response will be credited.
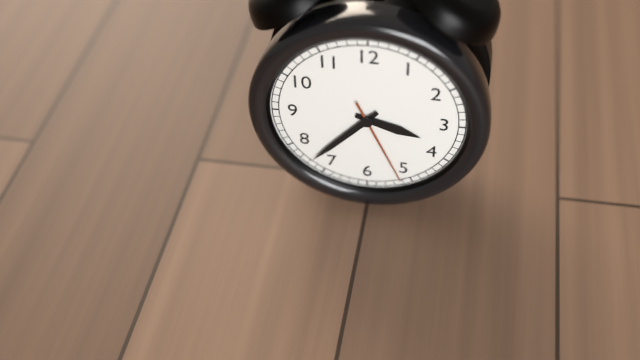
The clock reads 3.37.26
